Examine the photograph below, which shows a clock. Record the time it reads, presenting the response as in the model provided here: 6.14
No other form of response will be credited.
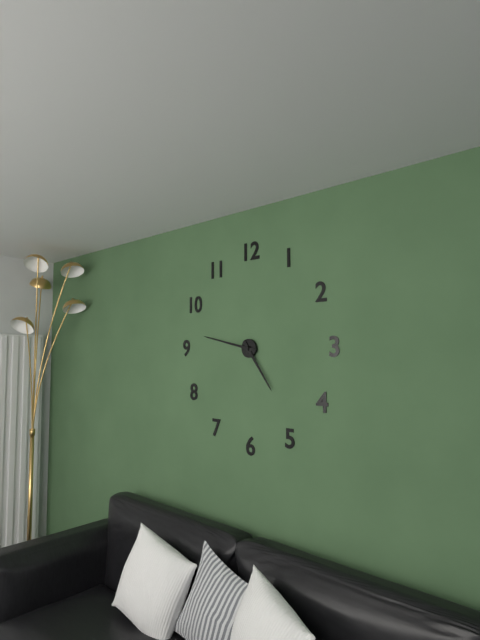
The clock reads 4.47
